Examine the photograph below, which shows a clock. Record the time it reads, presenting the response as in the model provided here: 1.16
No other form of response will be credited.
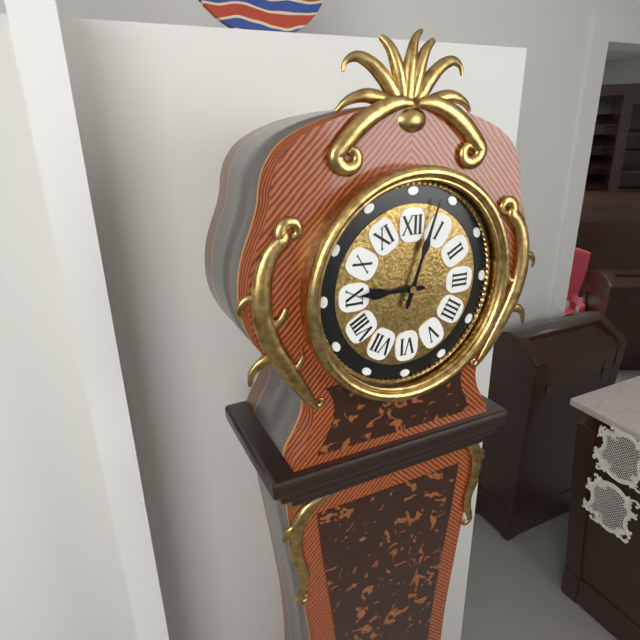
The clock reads 9.03
